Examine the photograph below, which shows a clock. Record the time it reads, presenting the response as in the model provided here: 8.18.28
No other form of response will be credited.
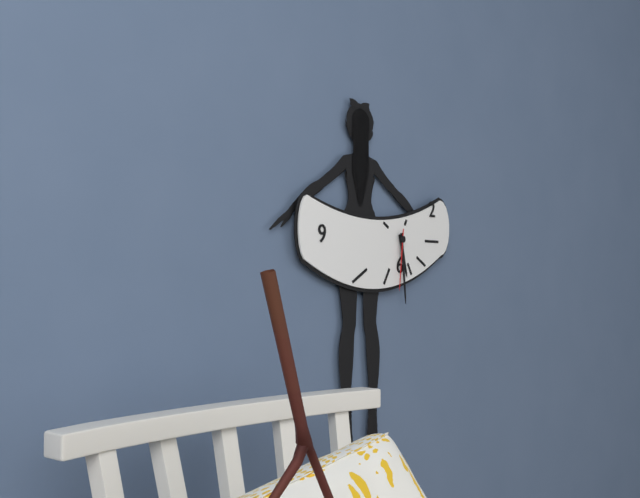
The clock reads 5.29.31
